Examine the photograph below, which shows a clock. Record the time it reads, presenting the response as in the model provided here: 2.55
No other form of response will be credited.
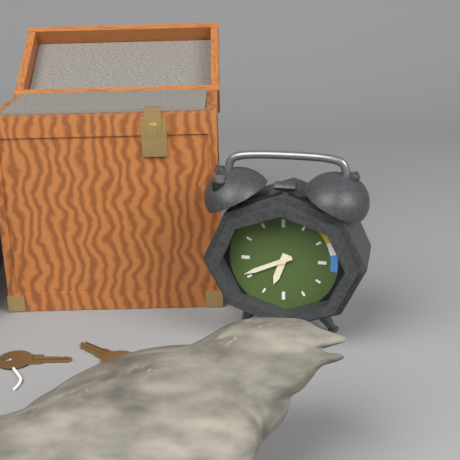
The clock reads 6.41
